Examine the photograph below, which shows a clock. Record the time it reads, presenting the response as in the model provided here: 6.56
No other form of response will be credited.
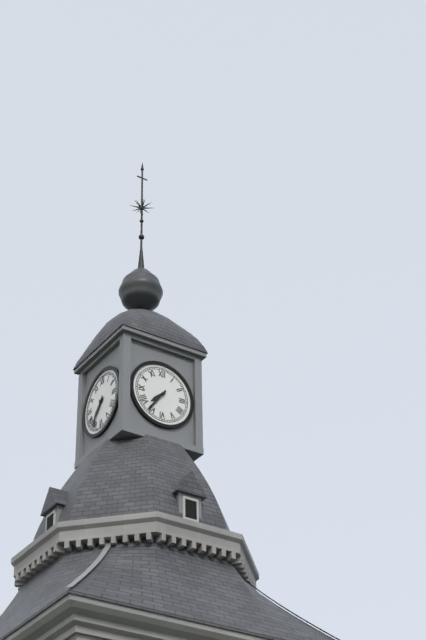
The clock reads 7.36
